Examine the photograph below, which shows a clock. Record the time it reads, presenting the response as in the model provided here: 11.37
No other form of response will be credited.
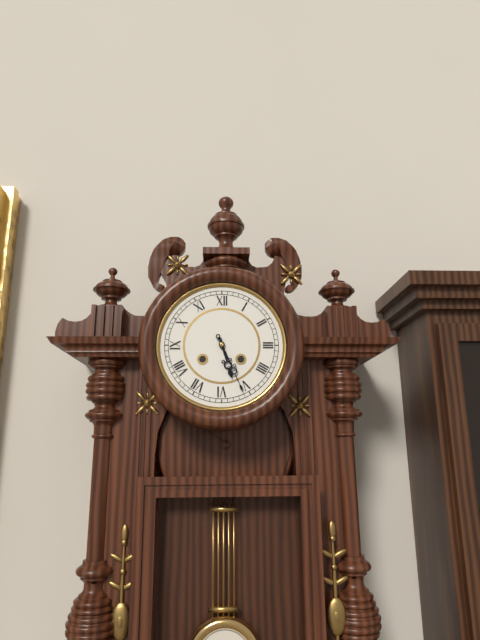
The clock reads 5.26
